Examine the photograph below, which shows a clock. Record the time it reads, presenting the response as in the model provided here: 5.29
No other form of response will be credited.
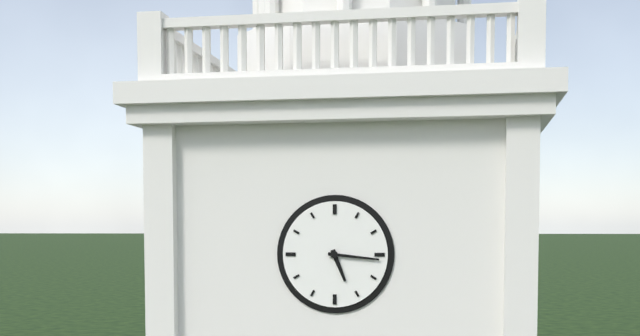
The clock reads 5.16
